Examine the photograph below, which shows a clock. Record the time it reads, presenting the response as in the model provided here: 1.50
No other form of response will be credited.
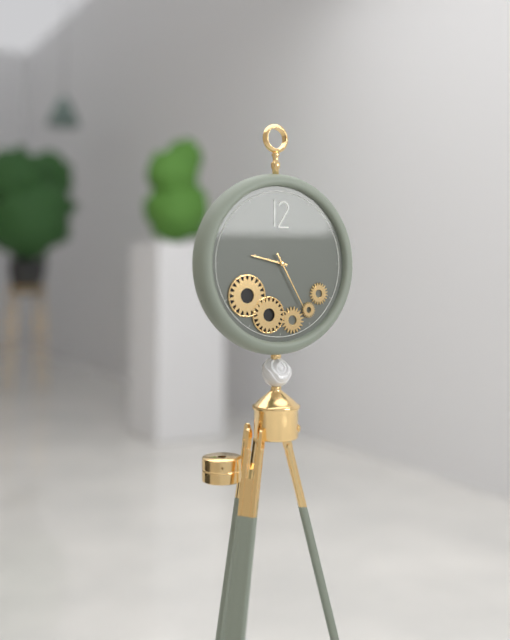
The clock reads 9.25
